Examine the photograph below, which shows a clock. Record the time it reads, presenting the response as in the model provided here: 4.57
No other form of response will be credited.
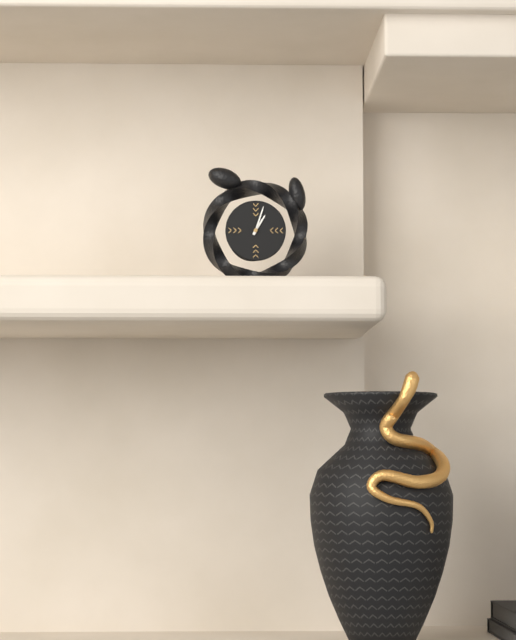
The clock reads 1.03
